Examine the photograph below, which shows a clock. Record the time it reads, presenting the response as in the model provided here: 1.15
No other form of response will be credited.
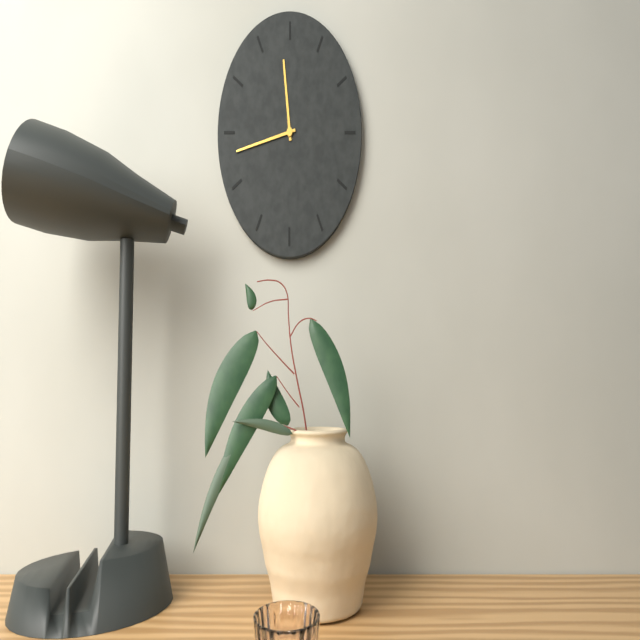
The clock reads 11.43
